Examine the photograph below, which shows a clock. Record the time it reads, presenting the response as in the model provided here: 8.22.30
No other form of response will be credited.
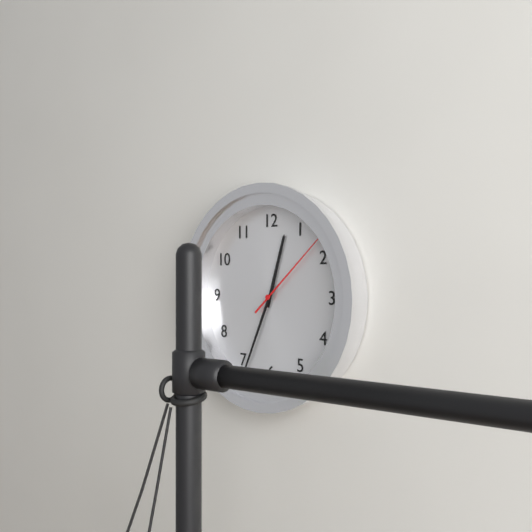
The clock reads 12.34.08
